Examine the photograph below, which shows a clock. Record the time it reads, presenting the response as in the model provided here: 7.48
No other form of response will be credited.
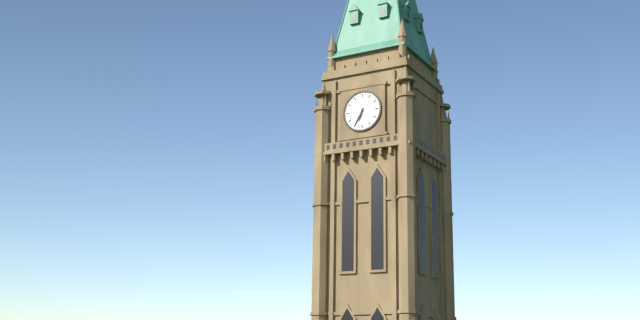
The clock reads 6.35
